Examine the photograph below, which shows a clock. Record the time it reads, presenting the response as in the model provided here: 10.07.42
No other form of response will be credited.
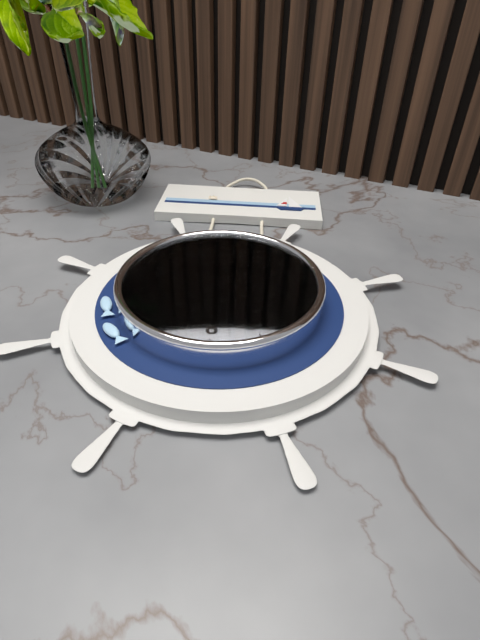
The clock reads 3.49.44
